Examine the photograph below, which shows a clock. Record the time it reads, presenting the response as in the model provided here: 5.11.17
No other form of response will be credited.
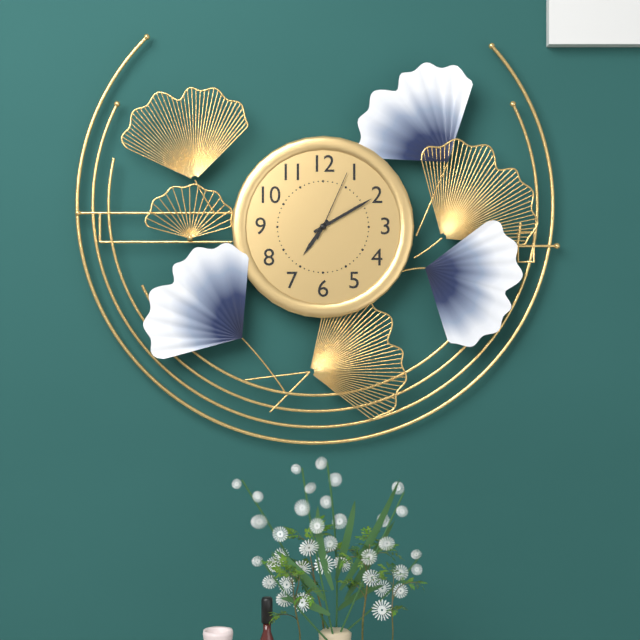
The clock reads 7.10.04
